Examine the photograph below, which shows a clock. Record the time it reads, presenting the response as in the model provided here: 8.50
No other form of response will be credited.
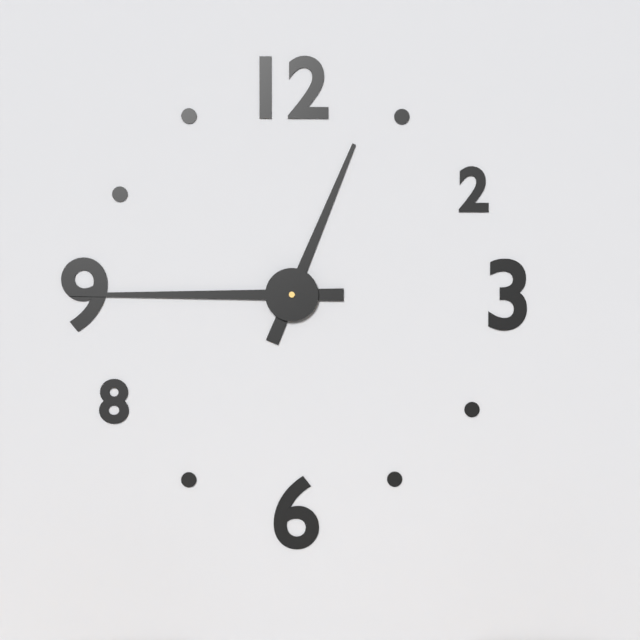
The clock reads 12.45
